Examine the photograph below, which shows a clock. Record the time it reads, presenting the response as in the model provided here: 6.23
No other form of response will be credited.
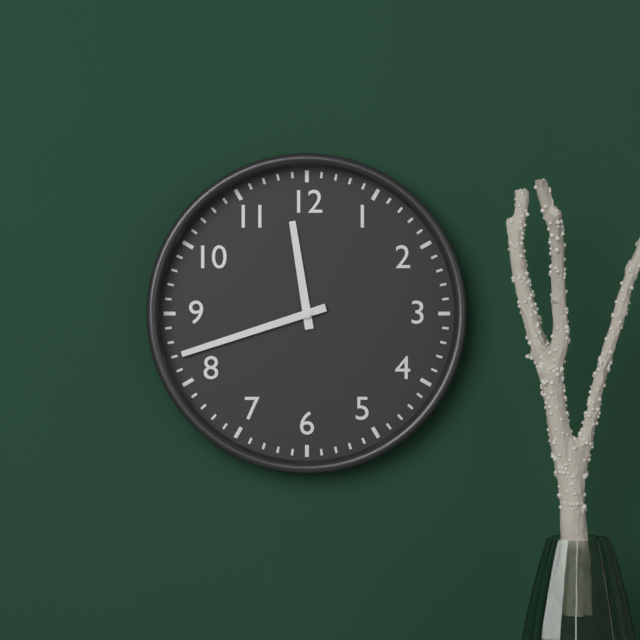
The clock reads 11.42
